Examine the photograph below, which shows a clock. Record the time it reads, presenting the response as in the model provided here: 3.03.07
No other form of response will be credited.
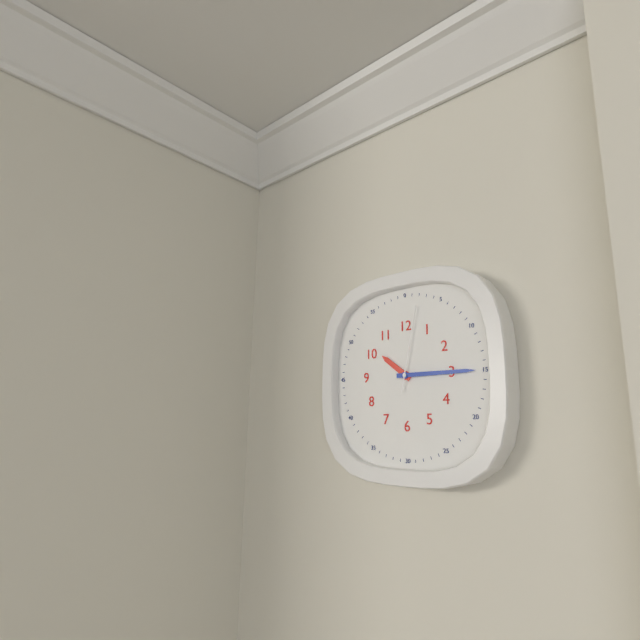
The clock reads 10.15.02
